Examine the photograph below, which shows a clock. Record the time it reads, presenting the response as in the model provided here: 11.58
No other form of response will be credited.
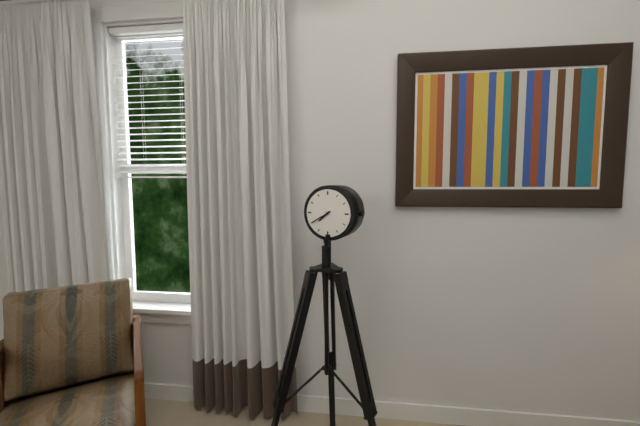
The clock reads 7.40
